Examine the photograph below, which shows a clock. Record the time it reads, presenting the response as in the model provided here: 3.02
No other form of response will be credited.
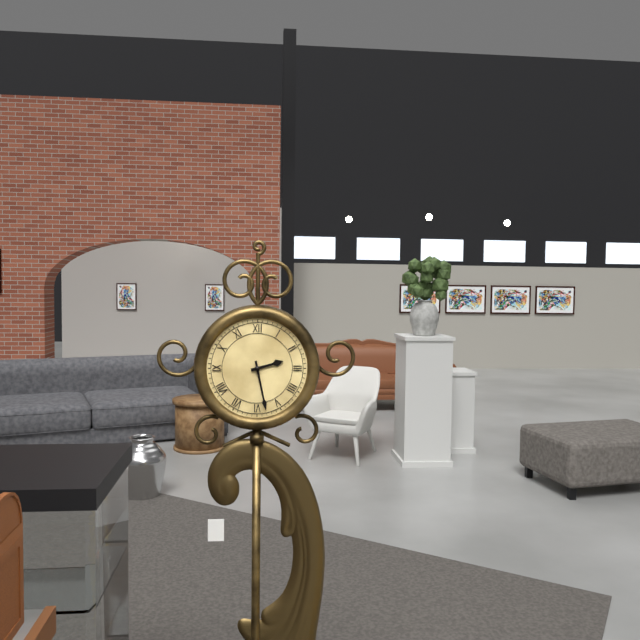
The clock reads 2.28
